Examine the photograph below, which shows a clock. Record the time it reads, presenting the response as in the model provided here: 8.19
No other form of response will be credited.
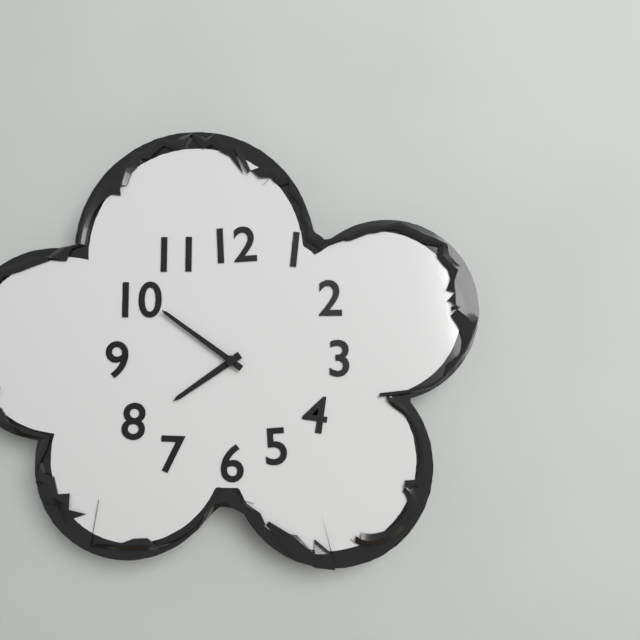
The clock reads 7.51
